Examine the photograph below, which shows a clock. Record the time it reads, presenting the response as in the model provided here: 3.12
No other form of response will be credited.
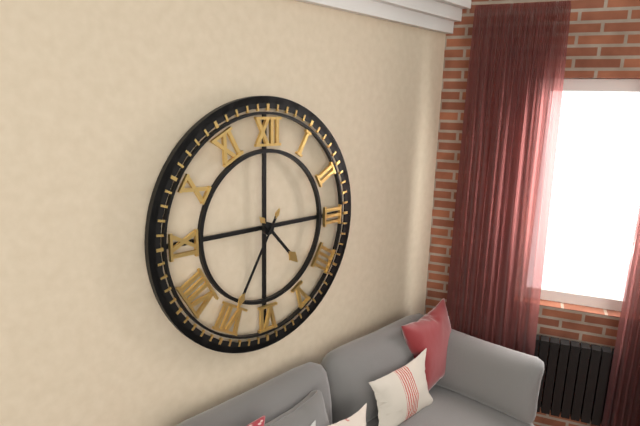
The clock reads 4.35
